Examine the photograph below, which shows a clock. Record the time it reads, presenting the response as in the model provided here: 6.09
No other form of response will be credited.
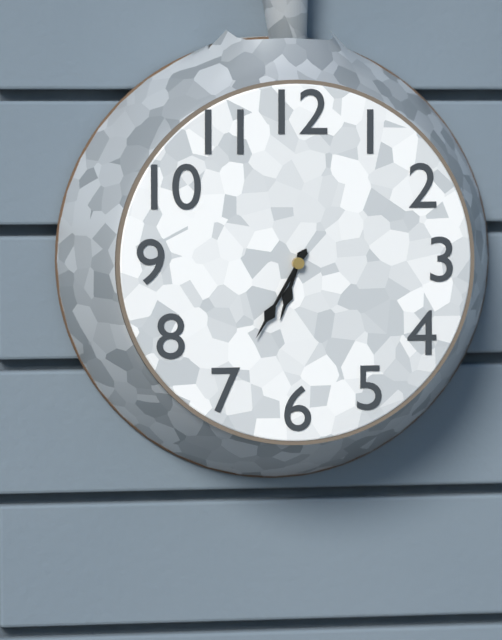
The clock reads 6.35
